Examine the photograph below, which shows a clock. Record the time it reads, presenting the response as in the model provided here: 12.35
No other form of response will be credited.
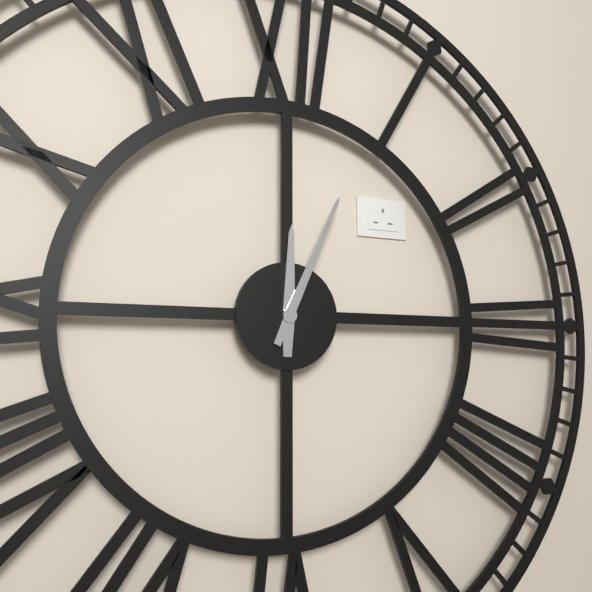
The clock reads 12.04
